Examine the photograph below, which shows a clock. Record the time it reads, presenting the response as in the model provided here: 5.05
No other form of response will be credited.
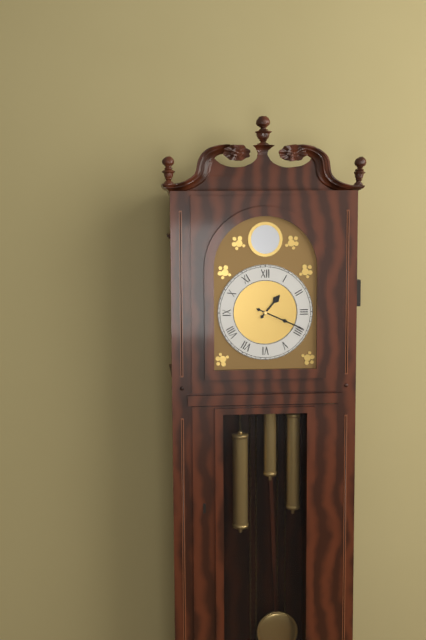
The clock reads 1.19
